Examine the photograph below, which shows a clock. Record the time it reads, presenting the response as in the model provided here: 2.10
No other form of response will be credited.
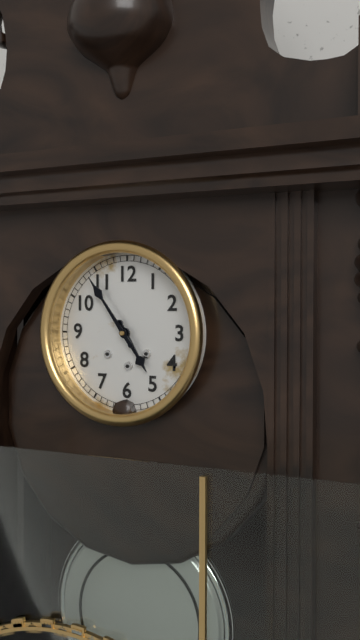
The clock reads 4.54
